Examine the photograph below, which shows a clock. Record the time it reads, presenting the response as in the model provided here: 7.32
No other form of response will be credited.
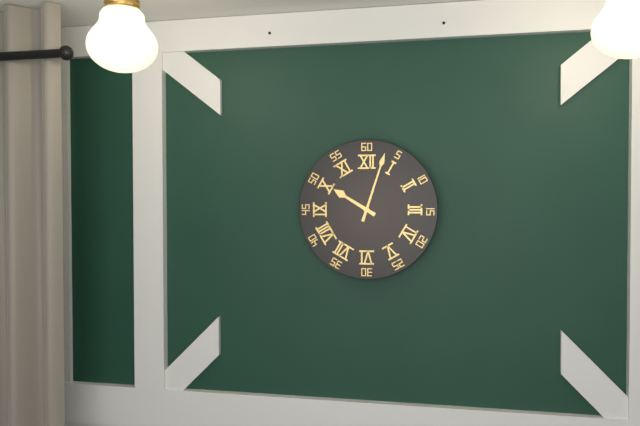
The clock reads 10.03
